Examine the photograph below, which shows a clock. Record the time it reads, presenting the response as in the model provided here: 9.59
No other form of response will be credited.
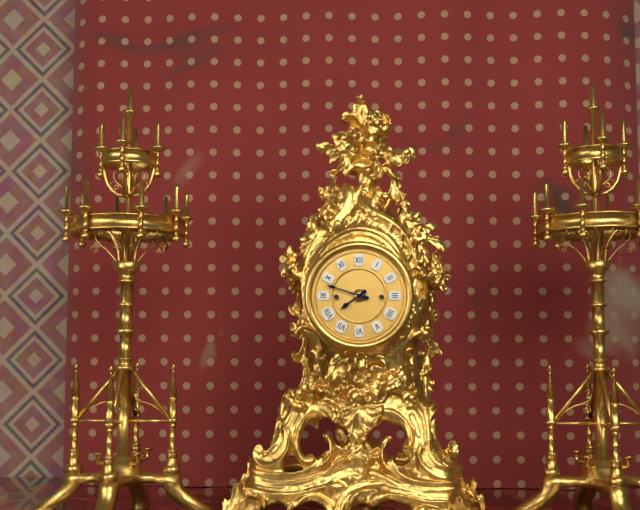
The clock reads 7.48
